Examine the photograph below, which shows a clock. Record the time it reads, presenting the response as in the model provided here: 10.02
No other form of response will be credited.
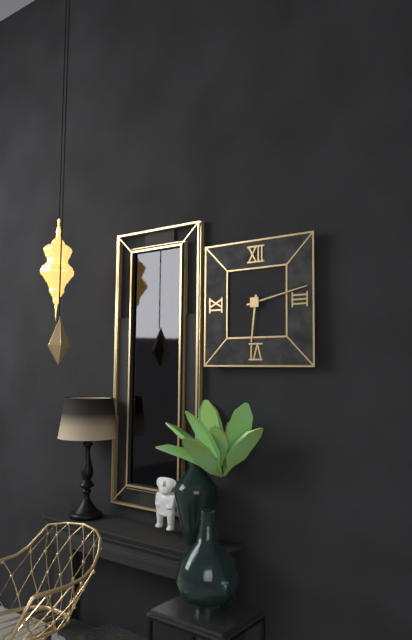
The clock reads 6.13
